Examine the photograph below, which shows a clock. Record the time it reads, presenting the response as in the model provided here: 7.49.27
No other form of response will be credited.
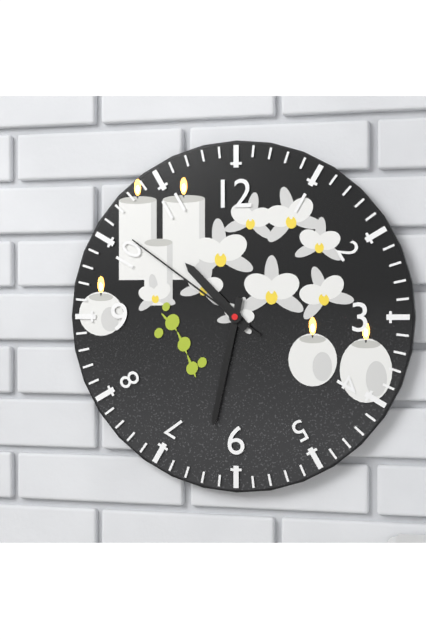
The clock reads 10.32.51
